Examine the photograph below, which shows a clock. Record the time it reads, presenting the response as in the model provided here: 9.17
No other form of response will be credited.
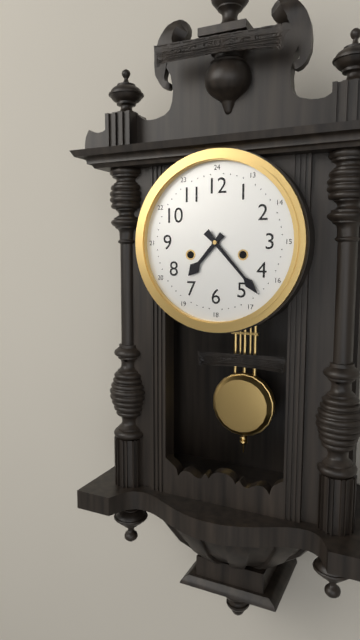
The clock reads 7.23
